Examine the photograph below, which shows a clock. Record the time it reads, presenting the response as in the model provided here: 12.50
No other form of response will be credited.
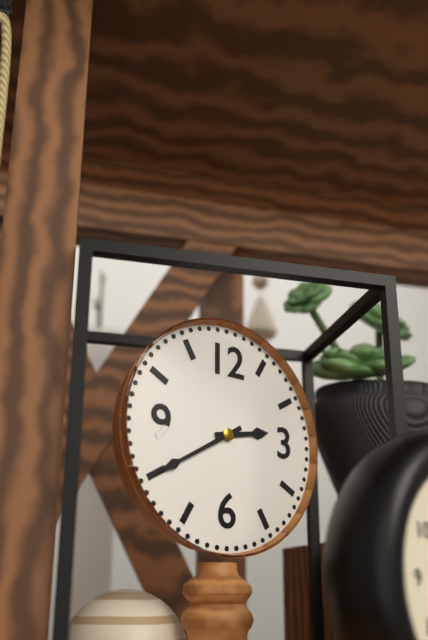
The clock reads 2.40
